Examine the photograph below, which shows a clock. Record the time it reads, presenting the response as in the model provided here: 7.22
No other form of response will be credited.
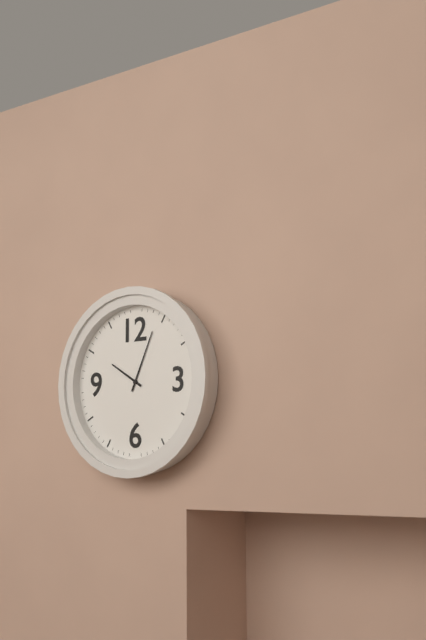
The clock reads 10.04
